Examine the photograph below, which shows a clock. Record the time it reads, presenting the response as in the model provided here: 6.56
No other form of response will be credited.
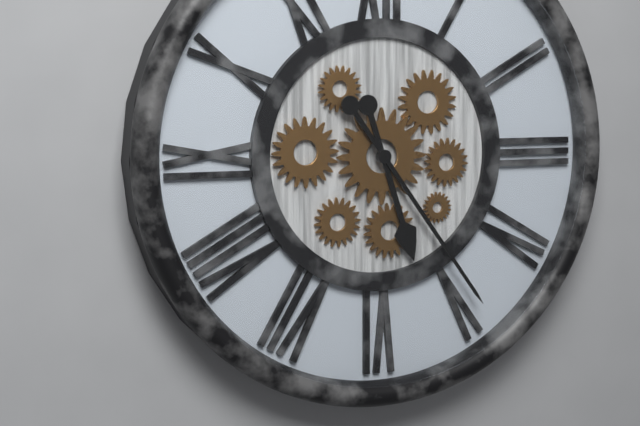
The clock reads 5.24
